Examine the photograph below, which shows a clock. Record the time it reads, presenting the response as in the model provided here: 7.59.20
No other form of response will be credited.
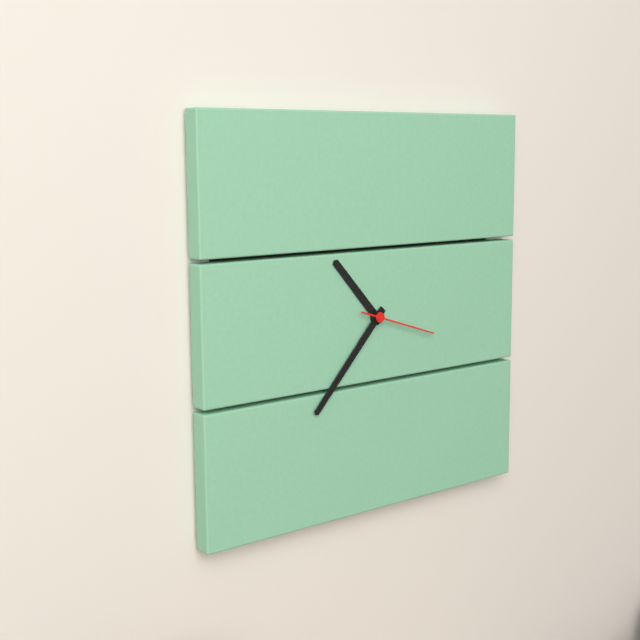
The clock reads 10.37.18
